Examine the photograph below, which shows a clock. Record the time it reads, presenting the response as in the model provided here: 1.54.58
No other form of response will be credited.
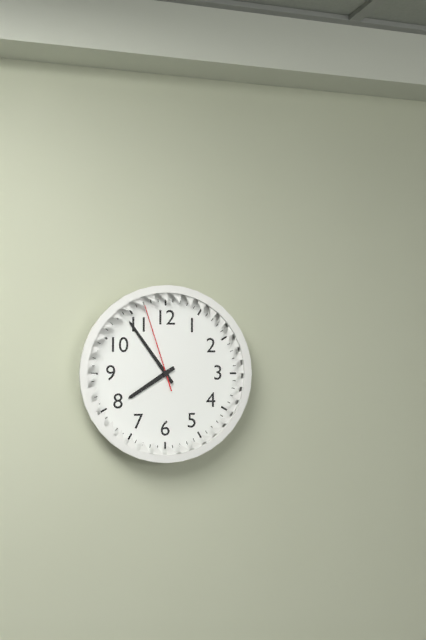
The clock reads 7.54.57
